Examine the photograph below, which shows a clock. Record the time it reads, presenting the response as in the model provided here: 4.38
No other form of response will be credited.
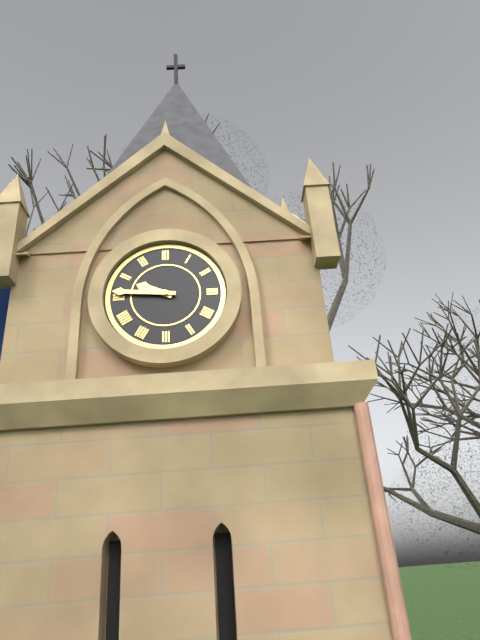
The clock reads 9.46
